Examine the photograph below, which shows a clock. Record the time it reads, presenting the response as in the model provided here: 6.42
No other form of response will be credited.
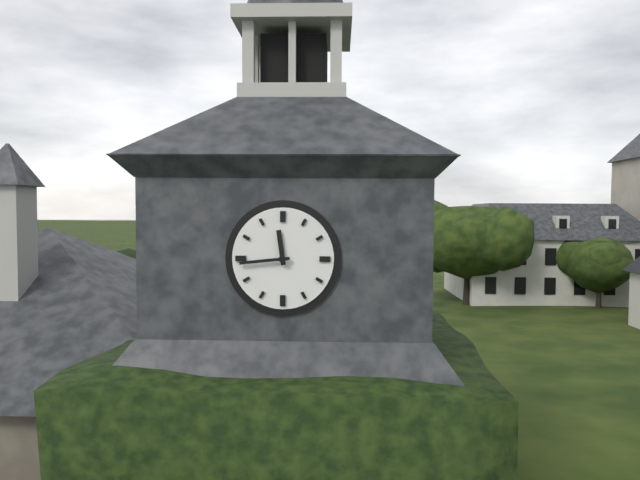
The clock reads 11.44
